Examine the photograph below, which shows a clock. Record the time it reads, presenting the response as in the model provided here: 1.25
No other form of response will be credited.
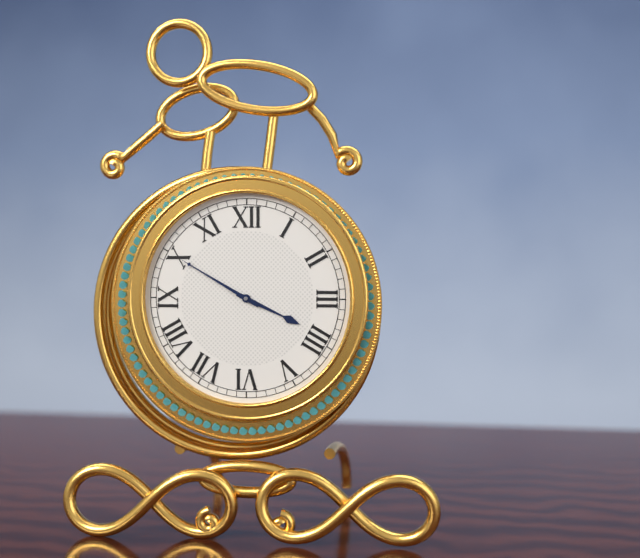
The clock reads 3.50
